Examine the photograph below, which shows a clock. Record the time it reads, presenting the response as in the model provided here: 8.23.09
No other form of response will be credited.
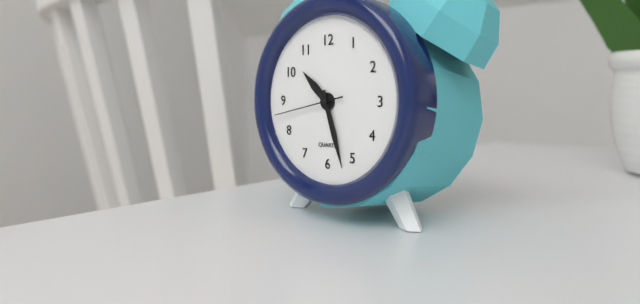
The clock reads 10.27.43
